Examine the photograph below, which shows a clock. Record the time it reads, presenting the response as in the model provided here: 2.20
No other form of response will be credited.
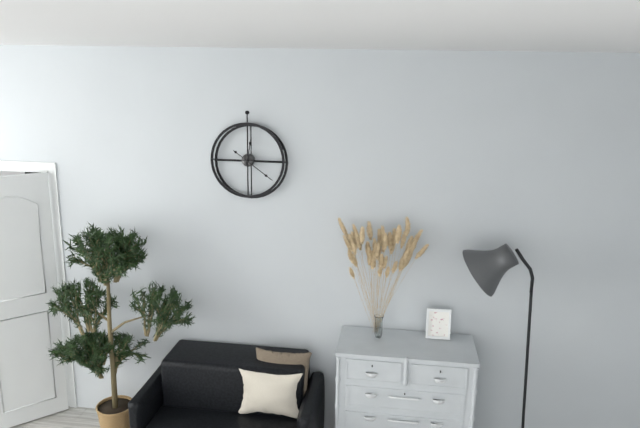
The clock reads 12.21
